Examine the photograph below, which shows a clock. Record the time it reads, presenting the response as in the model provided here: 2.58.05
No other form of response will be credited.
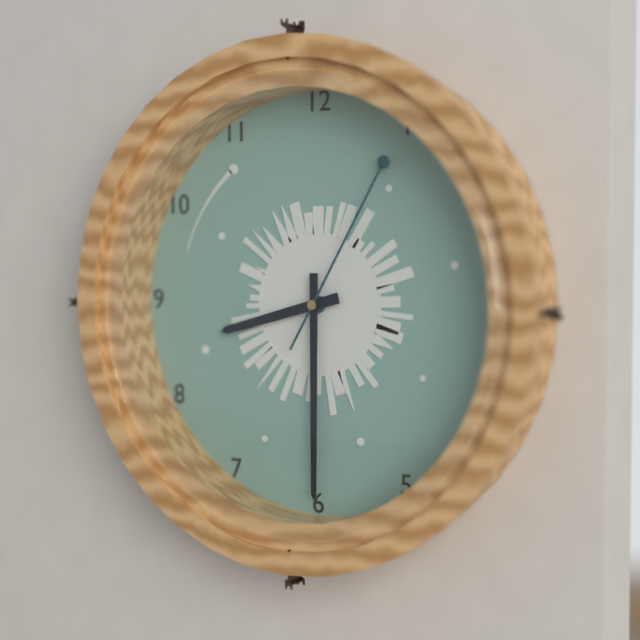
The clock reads 8.30.05
